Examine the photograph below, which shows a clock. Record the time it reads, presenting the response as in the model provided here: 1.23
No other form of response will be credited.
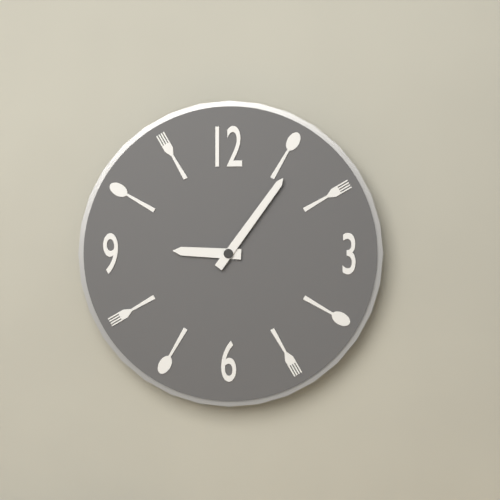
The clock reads 9.06
